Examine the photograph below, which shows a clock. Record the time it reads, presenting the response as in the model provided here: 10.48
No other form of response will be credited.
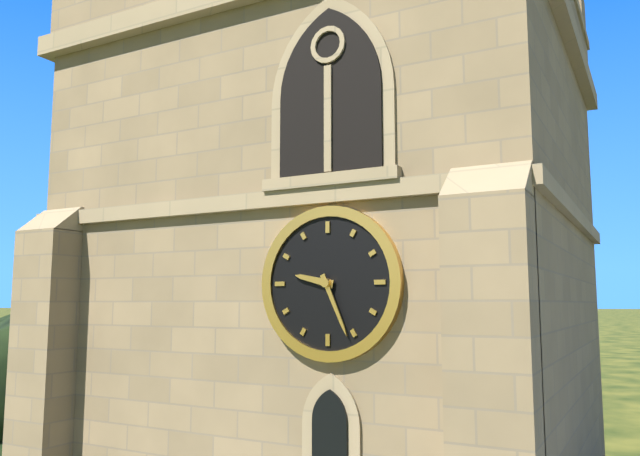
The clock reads 9.26
